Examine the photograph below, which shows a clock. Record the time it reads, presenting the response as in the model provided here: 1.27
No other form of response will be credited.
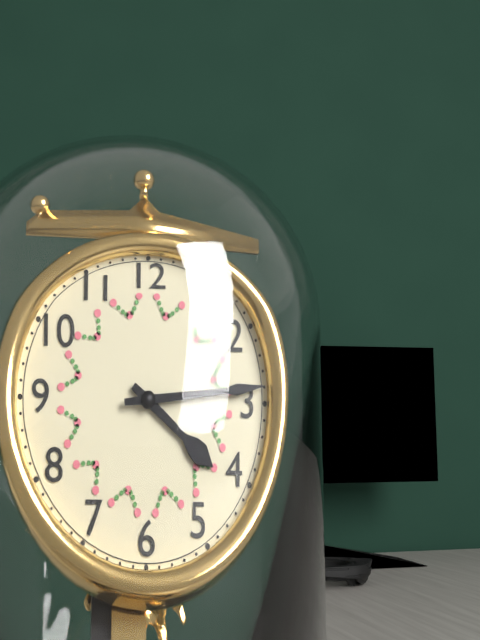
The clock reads 4.14
